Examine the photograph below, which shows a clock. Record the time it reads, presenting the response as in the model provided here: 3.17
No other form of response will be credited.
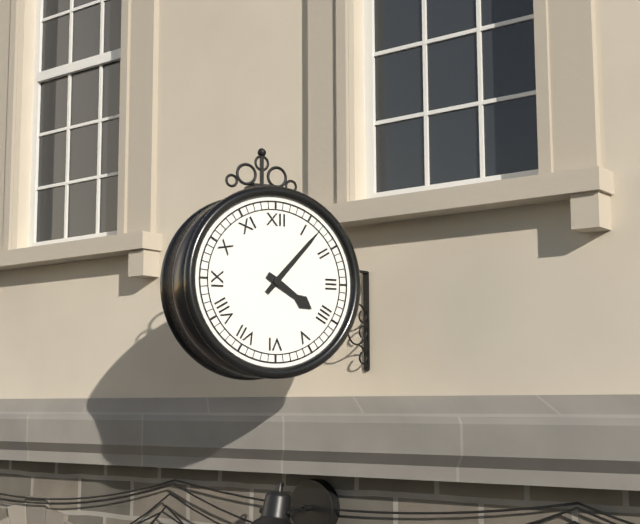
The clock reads 4.07
